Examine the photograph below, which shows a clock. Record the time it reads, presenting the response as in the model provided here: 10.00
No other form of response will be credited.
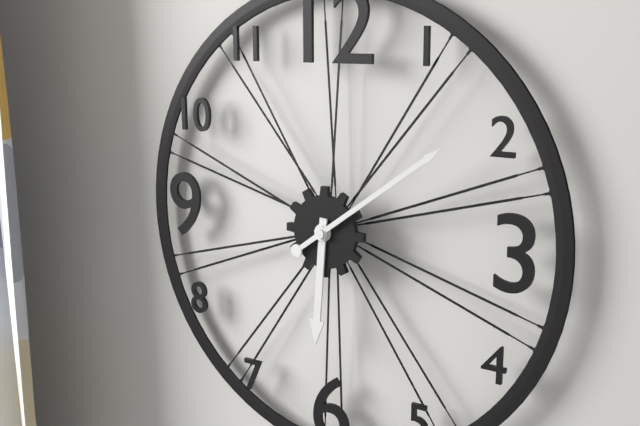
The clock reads 6.09
